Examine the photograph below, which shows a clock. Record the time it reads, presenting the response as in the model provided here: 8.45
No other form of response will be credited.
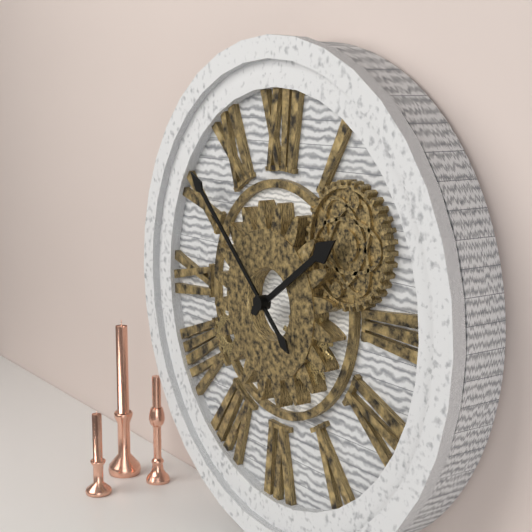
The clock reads 1.52
